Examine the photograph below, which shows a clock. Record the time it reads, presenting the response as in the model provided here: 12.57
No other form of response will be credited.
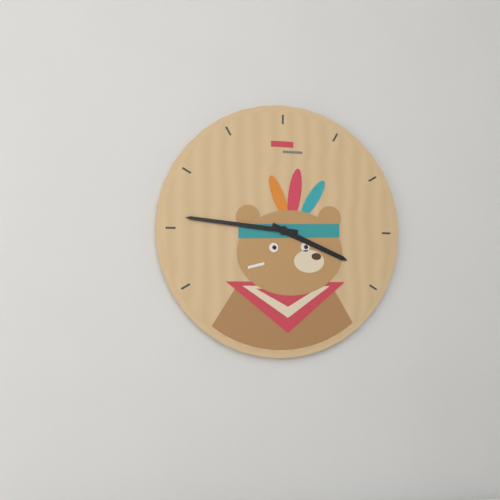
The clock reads 3.46
